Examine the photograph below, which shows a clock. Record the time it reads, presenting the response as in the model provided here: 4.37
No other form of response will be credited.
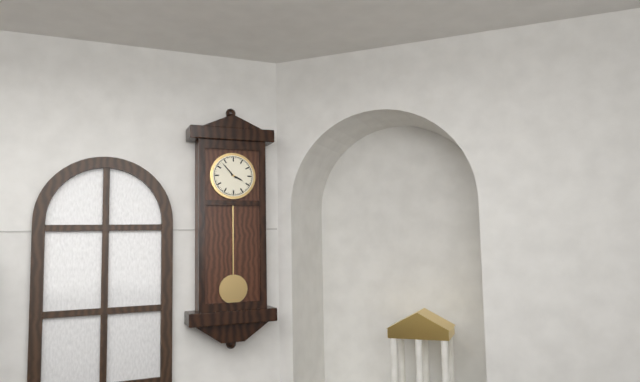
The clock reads 3.53
